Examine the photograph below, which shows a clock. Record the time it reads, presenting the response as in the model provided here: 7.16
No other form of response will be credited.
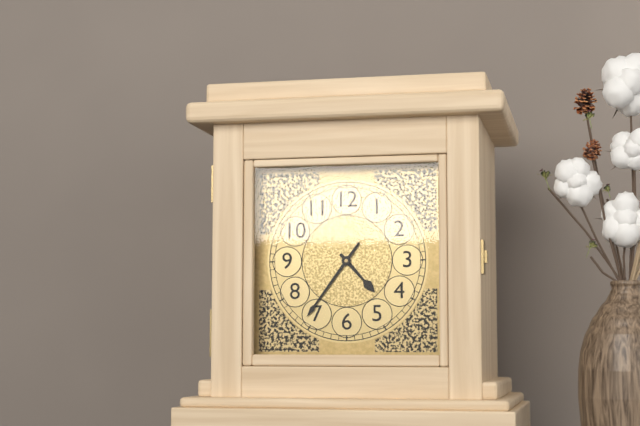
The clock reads 4.36
